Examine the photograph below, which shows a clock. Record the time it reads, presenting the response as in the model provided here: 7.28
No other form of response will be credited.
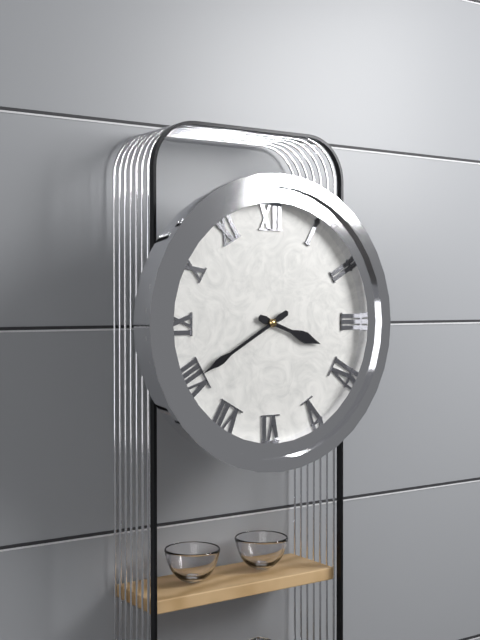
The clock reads 3.40
